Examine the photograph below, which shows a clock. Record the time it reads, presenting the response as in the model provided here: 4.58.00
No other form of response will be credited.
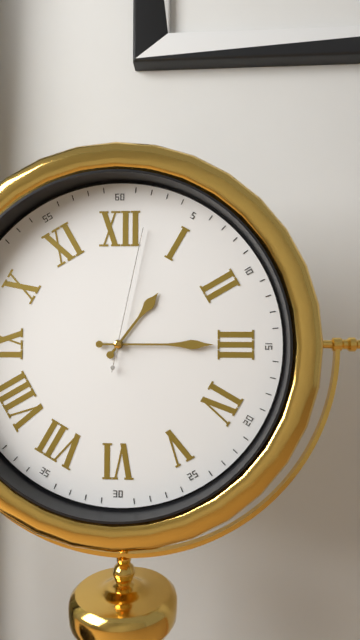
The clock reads 1.15.02
